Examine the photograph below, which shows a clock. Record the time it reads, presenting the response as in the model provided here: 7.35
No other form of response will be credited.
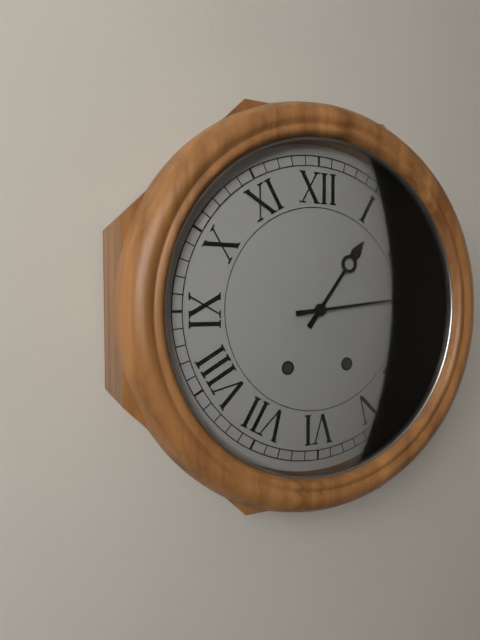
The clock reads 1.14
